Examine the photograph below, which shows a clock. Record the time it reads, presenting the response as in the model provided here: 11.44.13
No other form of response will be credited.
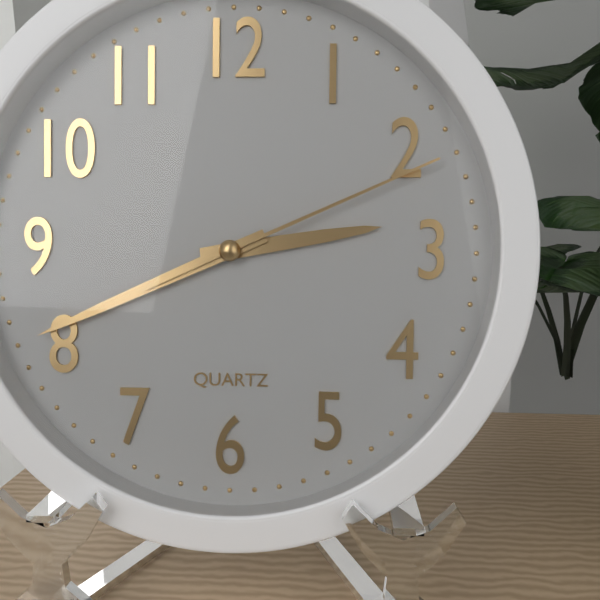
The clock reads 2.41.11
